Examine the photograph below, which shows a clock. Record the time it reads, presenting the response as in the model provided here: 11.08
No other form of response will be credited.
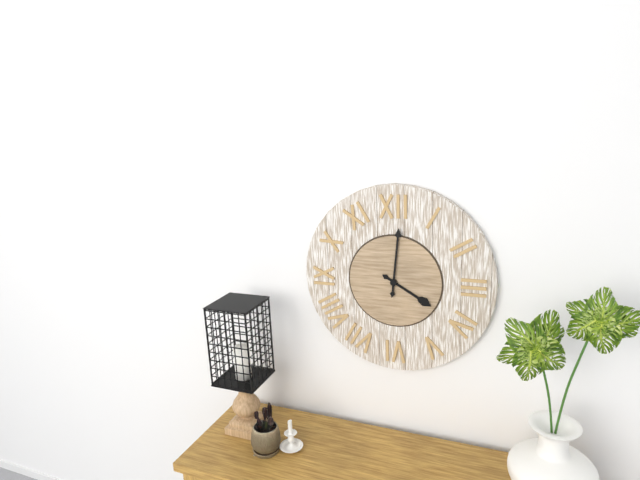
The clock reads 4.01
